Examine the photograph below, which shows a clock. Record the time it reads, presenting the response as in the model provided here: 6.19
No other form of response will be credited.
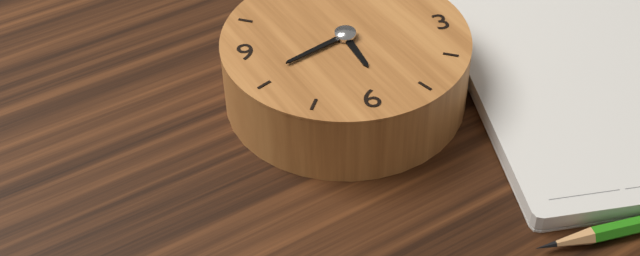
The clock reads 5.41
